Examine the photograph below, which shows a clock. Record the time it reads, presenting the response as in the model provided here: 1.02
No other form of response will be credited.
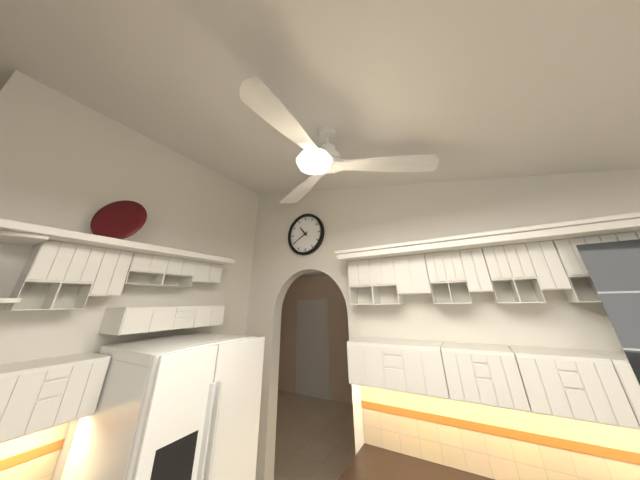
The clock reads 10.40
